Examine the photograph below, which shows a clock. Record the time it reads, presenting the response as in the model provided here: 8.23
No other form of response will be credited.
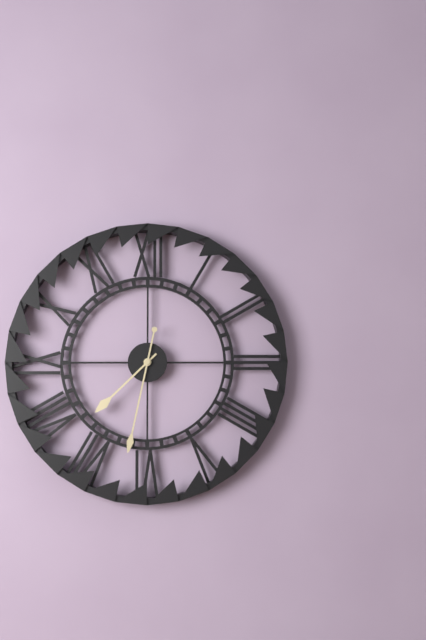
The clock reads 7.32
